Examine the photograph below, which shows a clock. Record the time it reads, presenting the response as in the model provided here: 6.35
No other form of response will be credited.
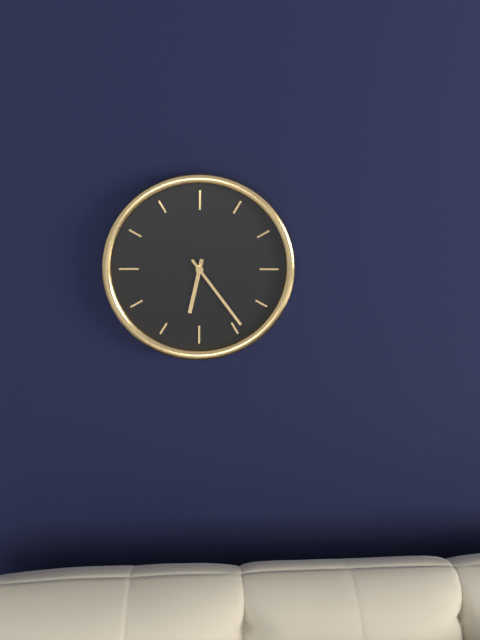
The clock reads 6.24
